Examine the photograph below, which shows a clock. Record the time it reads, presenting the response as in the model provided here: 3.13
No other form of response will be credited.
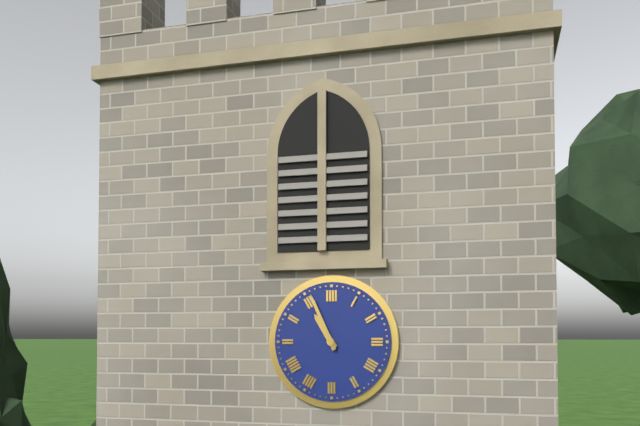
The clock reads 10.56
